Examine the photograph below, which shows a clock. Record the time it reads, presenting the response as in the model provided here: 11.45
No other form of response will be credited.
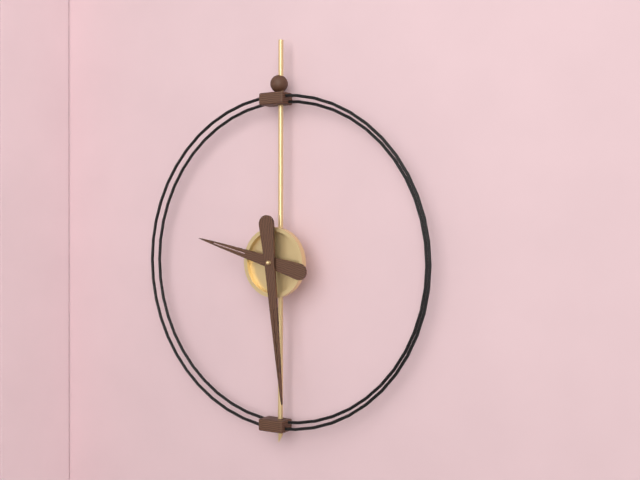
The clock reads 9.29
